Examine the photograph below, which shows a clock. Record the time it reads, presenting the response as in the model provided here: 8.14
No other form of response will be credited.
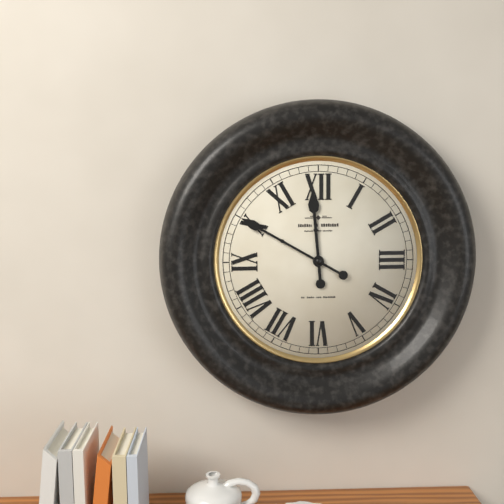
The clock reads 11.50
